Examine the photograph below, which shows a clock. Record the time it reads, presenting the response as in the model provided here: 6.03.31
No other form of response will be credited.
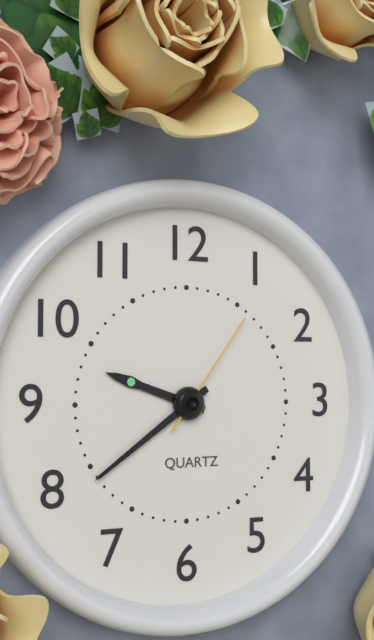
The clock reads 9.39.06
